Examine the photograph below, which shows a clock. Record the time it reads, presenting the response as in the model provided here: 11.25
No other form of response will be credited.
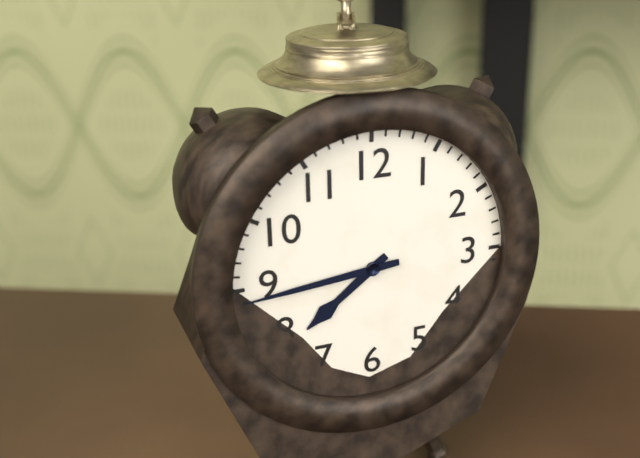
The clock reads 7.44
